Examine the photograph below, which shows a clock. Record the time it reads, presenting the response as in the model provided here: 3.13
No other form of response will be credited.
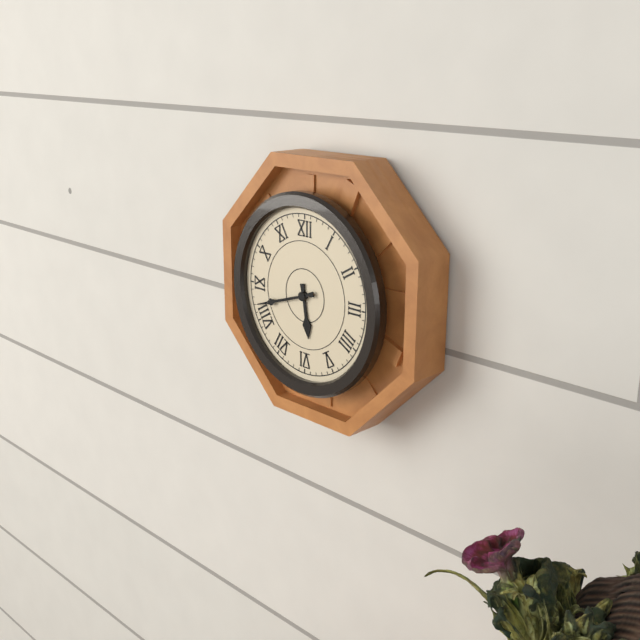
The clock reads 5.42
